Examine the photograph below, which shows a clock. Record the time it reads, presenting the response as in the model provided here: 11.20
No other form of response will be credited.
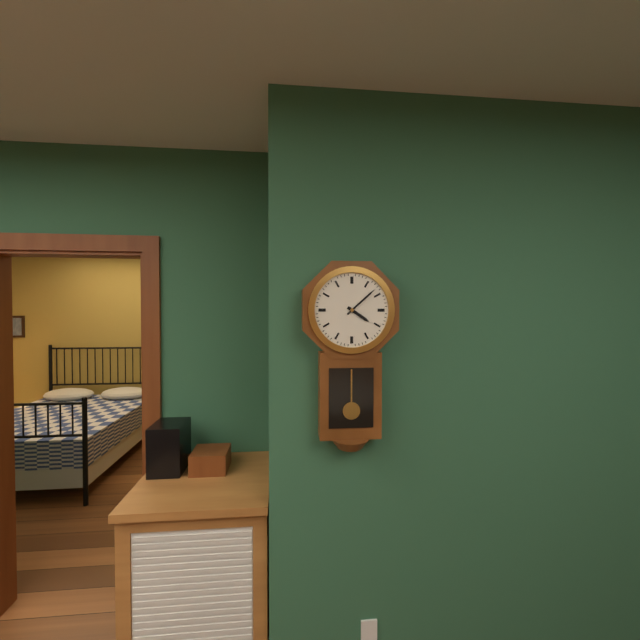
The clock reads 4.08
